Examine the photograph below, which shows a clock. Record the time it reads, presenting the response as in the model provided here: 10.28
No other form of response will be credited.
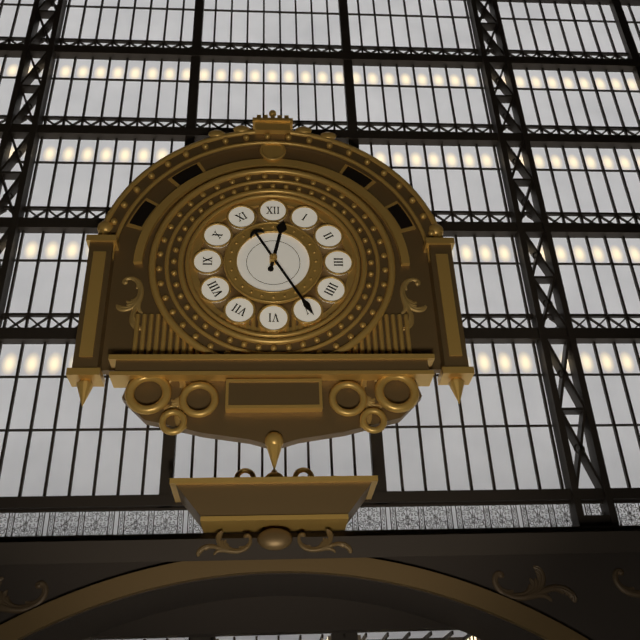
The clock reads 12.25
